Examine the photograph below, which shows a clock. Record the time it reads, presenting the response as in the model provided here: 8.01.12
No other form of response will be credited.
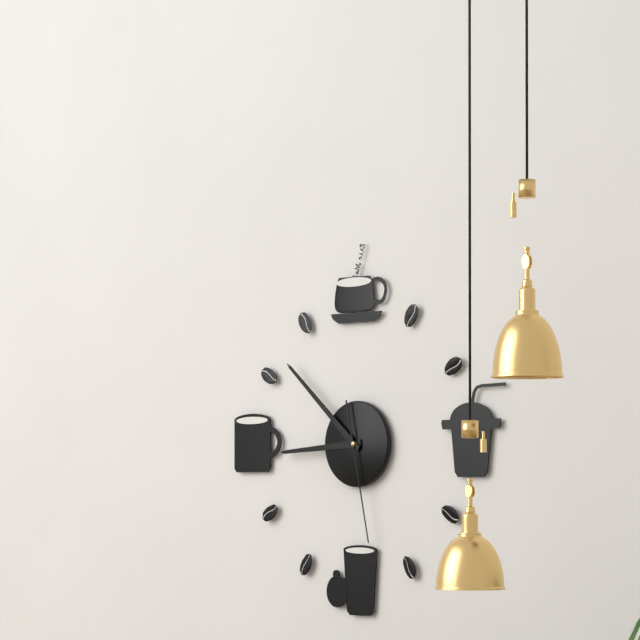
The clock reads 8.52.28
